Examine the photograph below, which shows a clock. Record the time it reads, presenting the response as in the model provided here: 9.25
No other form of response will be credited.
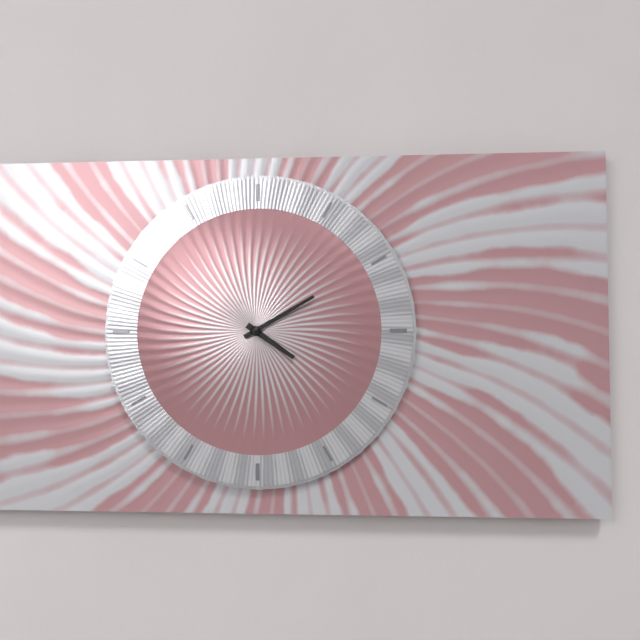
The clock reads 4.10
